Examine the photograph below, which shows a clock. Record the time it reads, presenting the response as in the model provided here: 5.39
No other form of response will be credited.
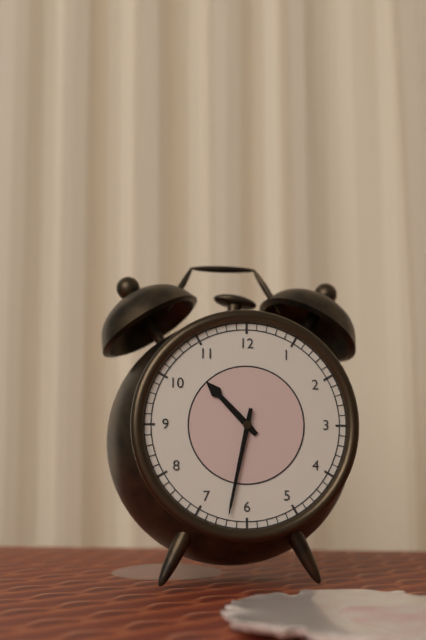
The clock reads 10.32
